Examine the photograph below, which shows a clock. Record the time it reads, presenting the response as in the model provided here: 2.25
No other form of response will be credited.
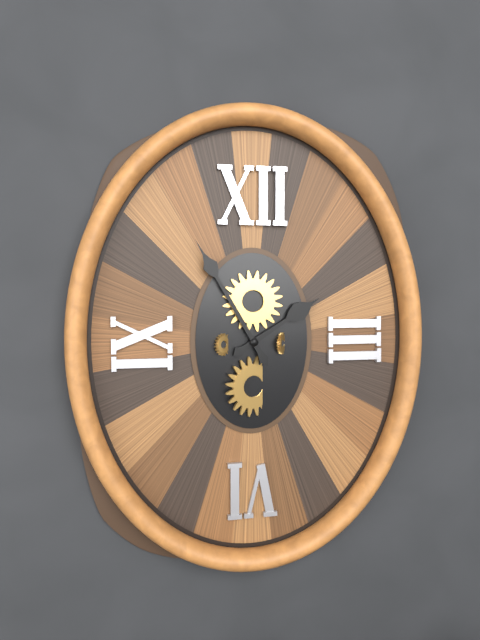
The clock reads 1.55
